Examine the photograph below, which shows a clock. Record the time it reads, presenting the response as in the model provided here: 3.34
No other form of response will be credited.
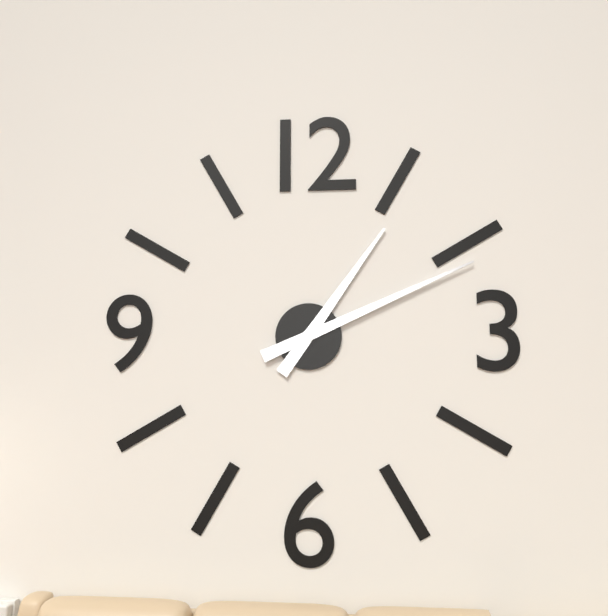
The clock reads 1.11
